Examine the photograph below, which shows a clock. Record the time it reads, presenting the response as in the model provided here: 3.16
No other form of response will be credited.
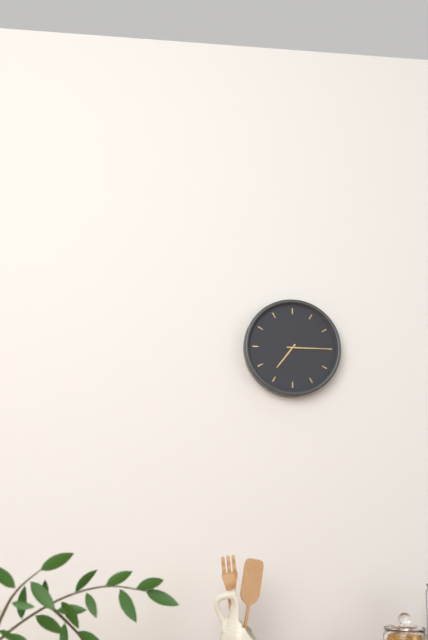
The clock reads 7.15
